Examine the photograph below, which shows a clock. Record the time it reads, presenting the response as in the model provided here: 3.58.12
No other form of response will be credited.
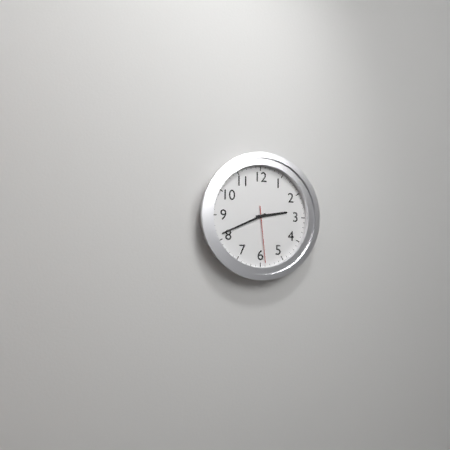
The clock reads 2.41.29
